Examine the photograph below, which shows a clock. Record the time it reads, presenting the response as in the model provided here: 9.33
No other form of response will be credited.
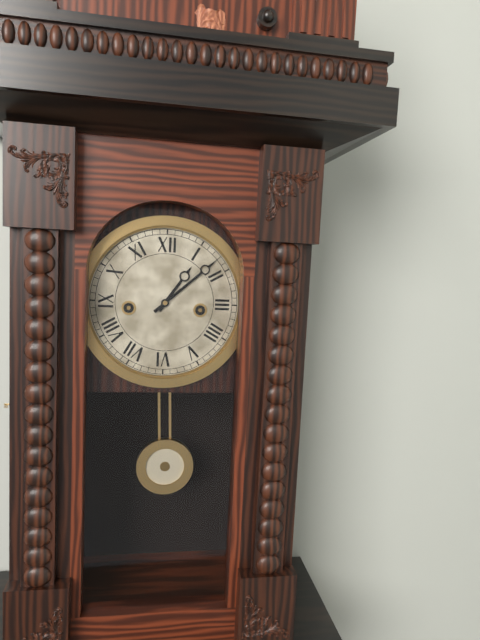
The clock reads 1.08
